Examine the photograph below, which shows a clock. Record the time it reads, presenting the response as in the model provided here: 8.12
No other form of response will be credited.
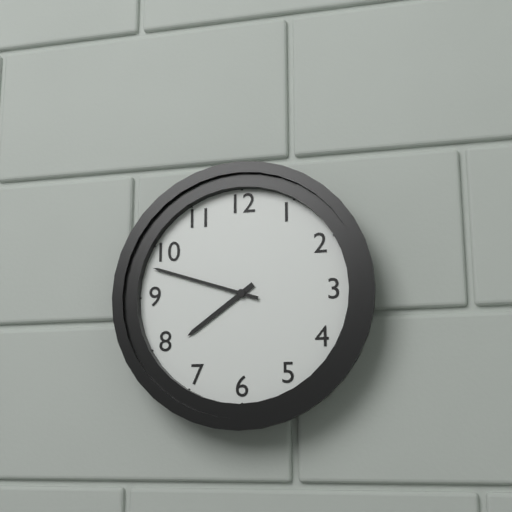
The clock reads 7.48
